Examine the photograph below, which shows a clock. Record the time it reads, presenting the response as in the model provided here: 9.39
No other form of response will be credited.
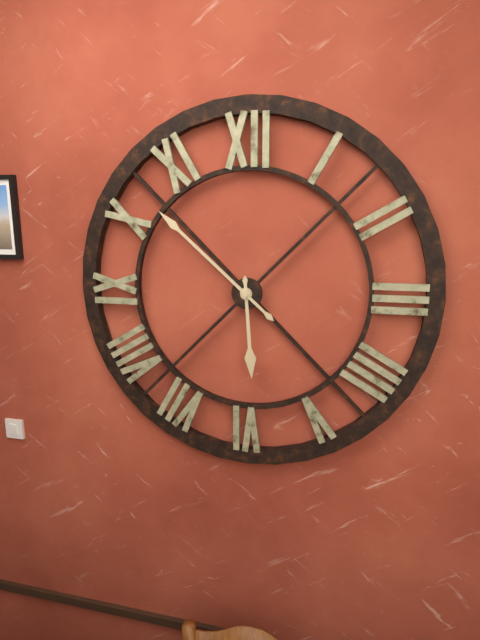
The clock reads 5.52
